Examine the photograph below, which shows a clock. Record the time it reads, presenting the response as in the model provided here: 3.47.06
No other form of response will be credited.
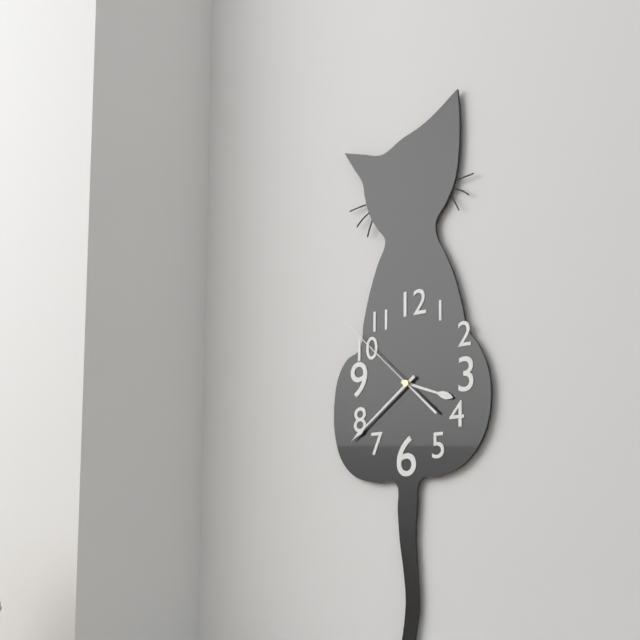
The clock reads 3.39.52
